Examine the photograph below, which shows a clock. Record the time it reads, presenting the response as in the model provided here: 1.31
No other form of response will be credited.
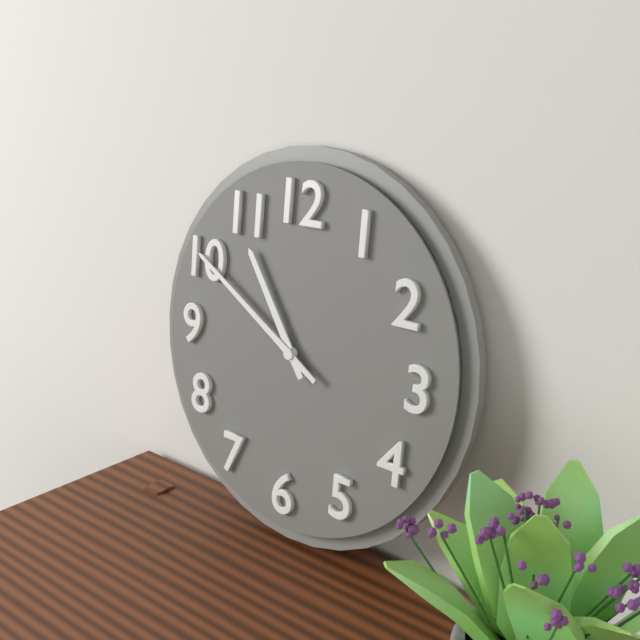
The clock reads 10.50
